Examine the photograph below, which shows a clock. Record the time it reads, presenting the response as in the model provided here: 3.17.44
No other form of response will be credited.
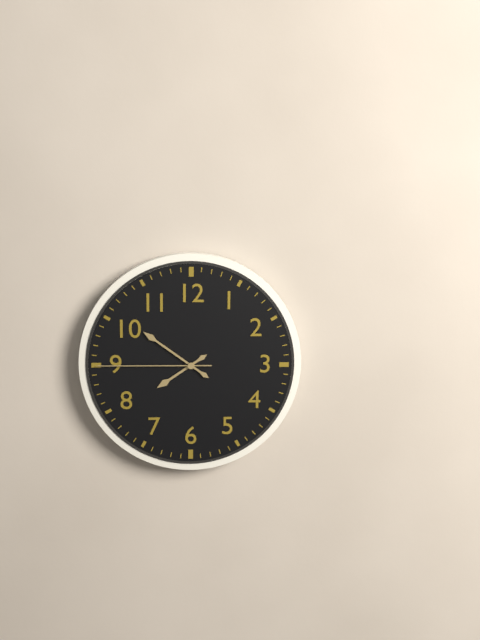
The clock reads 7.51.45
